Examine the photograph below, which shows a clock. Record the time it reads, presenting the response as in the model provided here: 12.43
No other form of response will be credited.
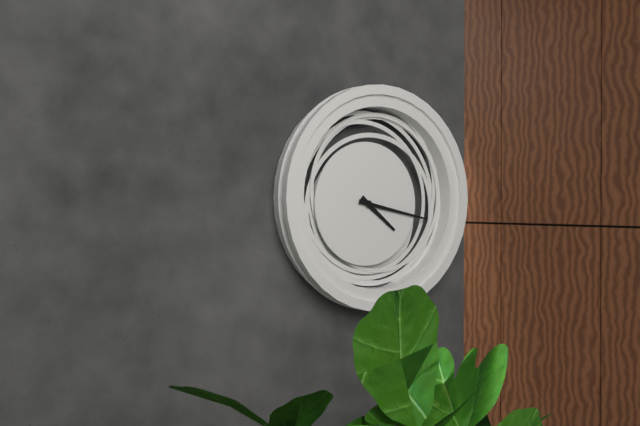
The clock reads 4.17
